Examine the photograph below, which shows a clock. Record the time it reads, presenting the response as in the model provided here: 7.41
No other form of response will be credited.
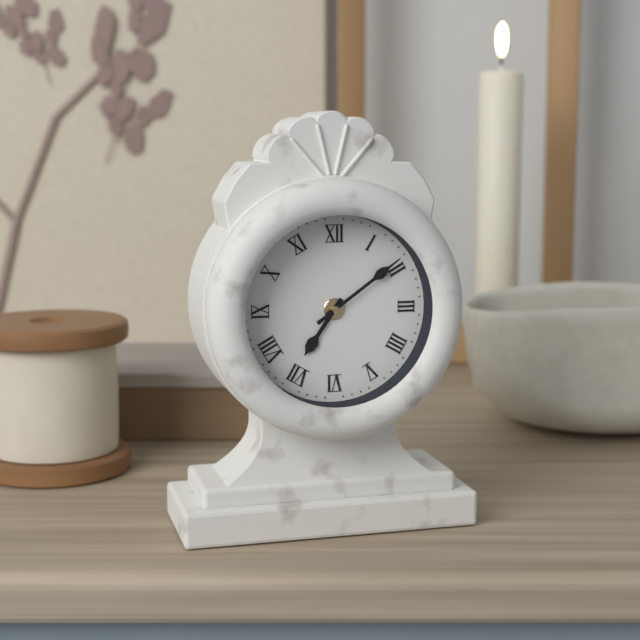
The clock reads 7.09
